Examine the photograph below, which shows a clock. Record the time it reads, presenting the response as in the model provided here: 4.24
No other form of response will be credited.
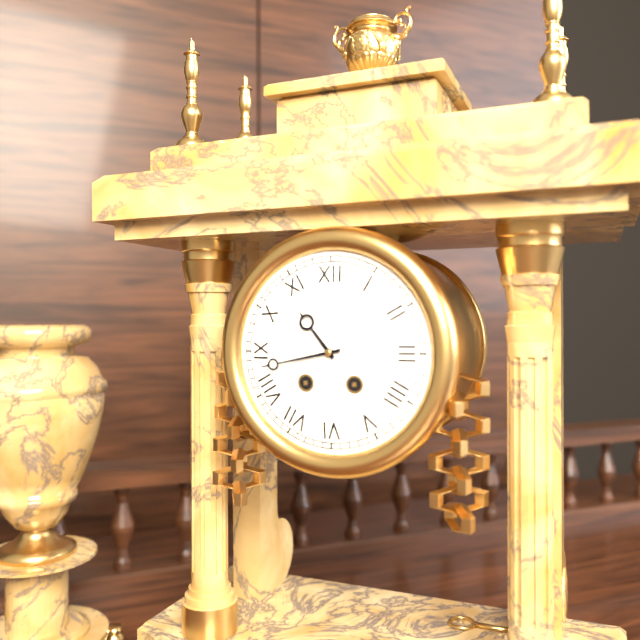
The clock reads 10.43
